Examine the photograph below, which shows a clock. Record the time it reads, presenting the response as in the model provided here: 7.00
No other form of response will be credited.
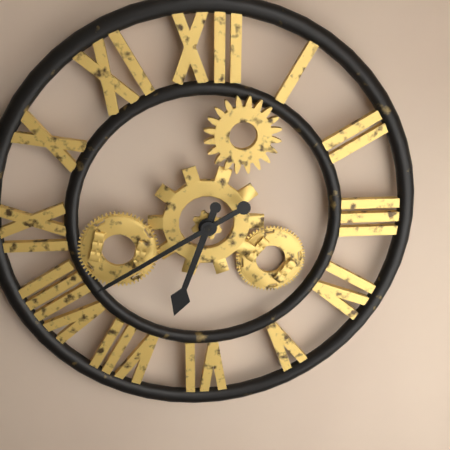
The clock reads 6.40
